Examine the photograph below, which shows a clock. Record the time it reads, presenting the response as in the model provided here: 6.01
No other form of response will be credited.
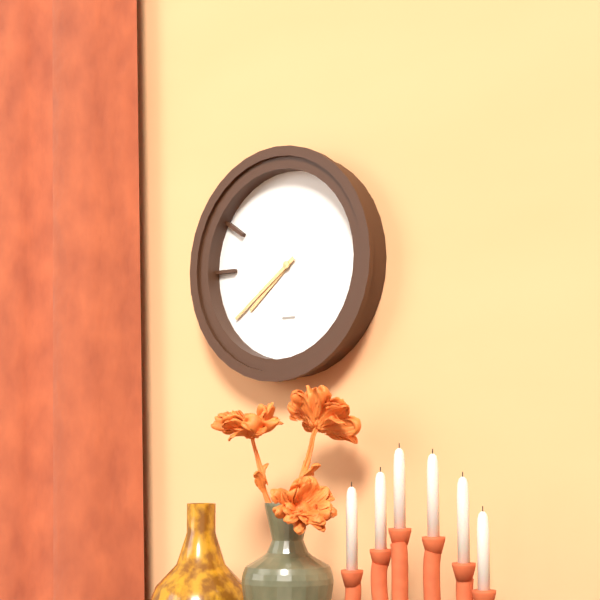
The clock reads 7.39
